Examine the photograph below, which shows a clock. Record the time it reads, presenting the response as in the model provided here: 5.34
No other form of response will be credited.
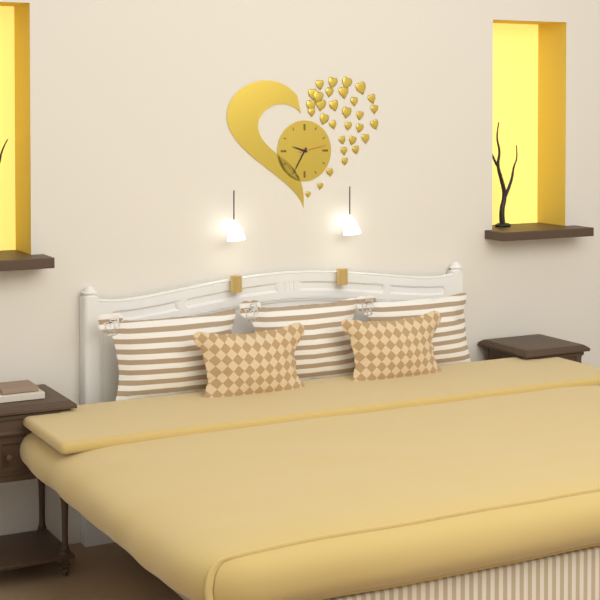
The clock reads 9.35
